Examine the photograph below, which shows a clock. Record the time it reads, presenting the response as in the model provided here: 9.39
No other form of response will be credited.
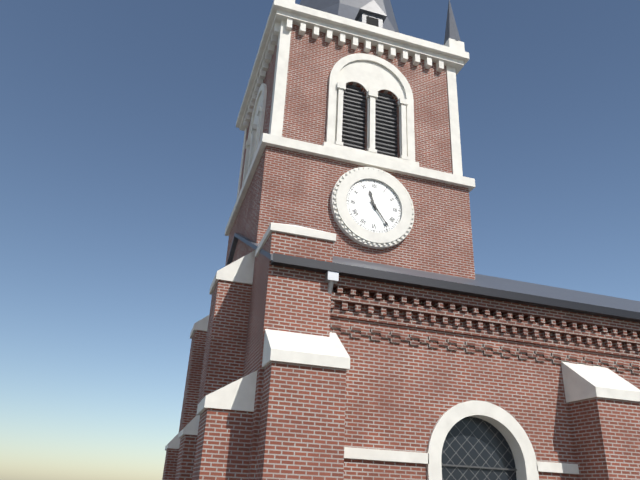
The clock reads 11.24
